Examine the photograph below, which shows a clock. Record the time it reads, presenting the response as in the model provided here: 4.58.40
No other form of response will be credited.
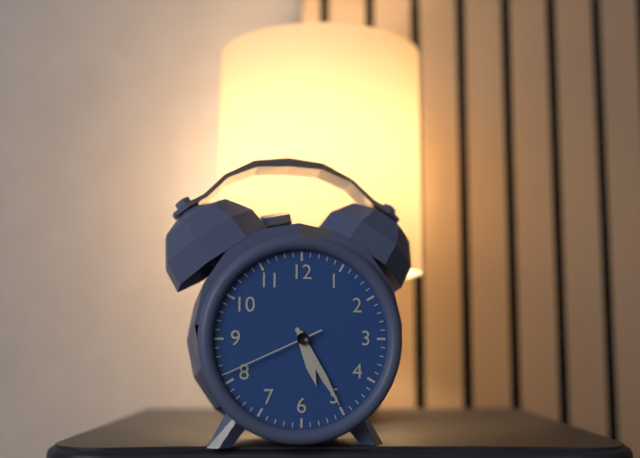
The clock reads 5.25.41
